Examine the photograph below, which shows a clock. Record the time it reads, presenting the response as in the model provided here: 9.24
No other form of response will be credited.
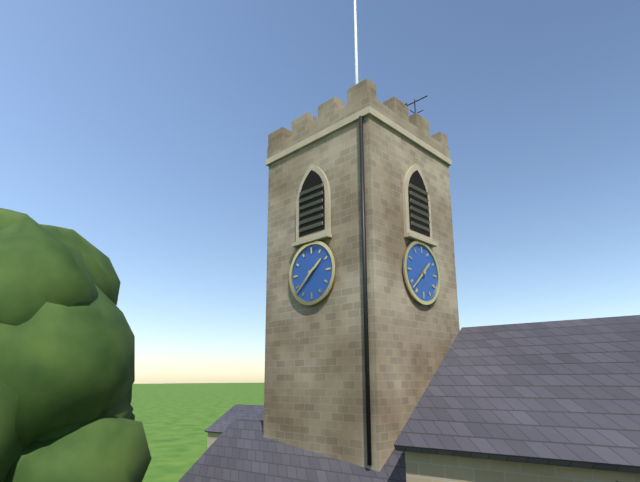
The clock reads 1.38
